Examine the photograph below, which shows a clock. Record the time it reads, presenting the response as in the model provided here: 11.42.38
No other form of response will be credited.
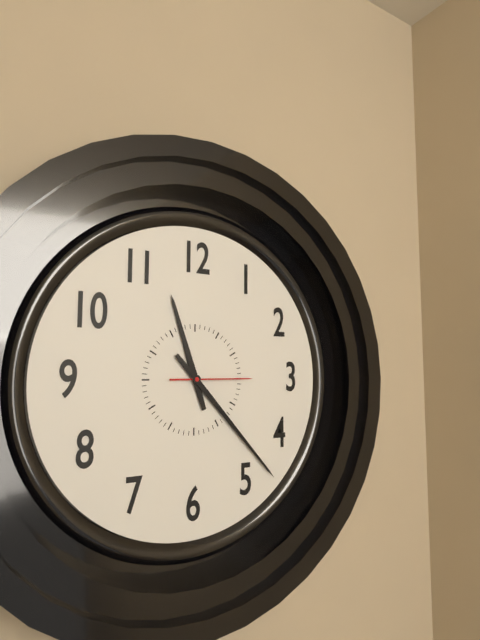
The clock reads 11.23.15
